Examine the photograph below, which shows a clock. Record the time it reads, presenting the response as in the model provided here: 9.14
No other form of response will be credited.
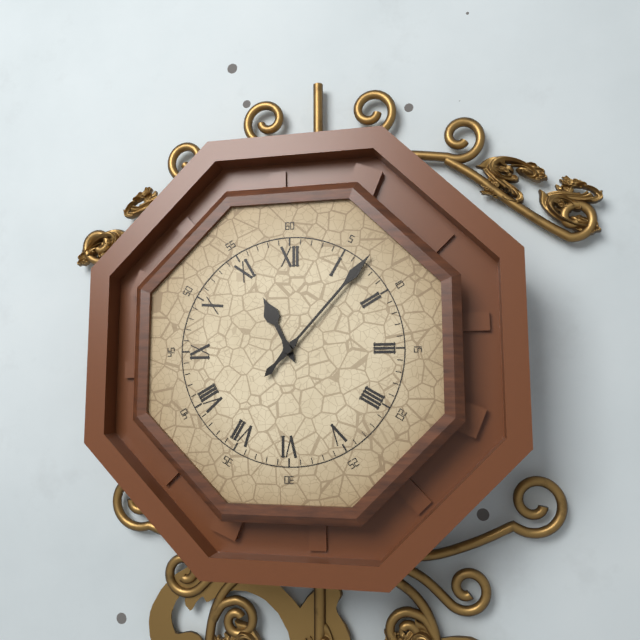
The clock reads 11.07
